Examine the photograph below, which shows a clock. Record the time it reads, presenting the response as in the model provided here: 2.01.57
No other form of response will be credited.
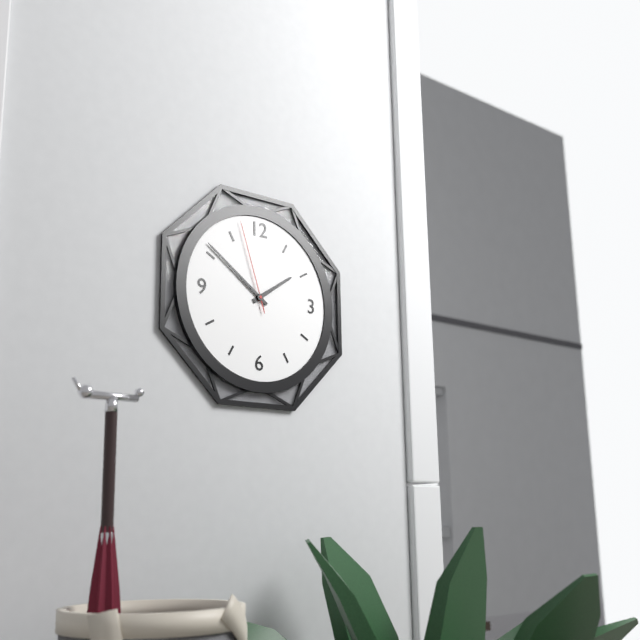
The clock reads 1.51.57
